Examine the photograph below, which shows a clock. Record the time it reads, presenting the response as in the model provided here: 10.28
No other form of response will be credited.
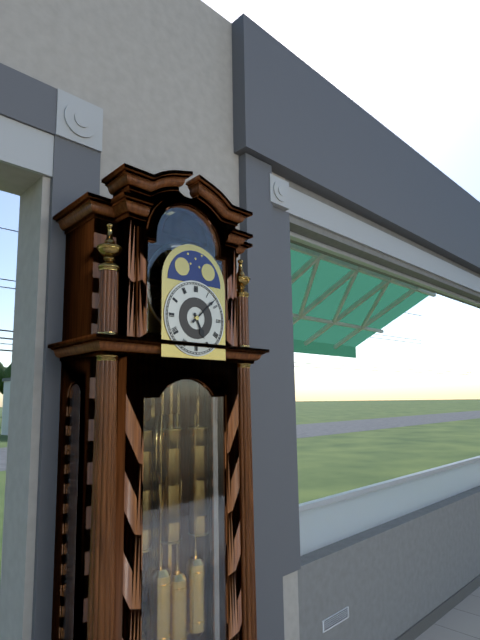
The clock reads 5.08
